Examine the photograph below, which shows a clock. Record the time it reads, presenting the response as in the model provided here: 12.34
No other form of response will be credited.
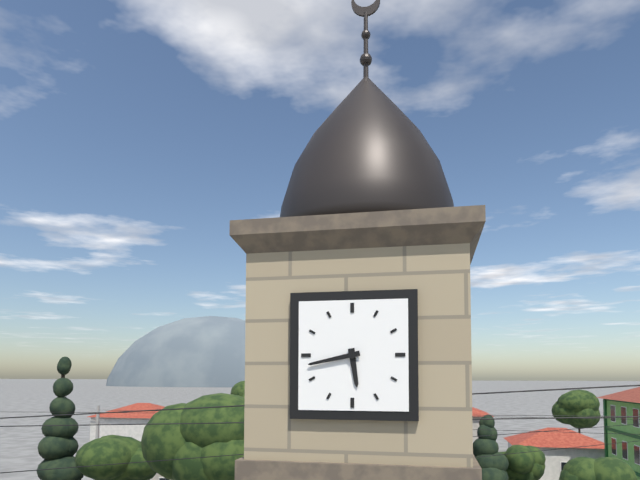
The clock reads 5.43
